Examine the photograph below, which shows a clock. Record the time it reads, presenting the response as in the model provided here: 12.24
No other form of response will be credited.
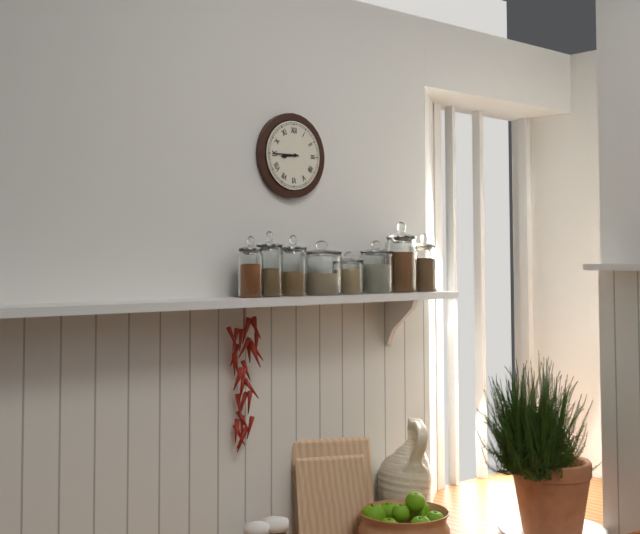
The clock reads 8.45
